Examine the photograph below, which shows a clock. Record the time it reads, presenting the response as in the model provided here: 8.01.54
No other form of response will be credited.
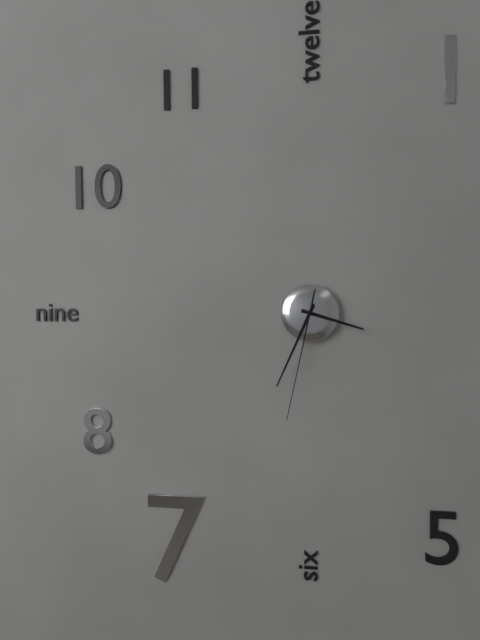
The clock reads 3.34.32
